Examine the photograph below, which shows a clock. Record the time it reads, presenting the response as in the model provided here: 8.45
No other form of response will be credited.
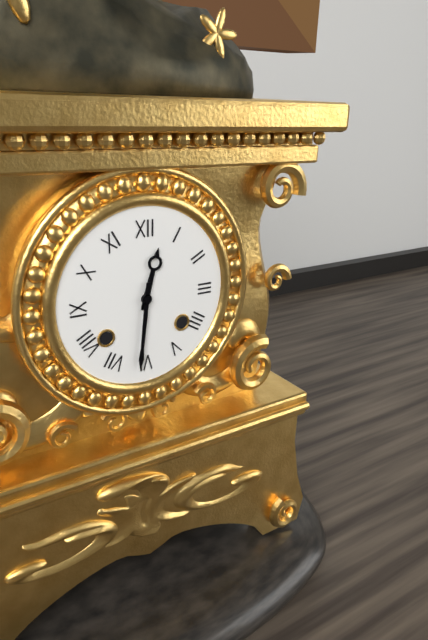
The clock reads 12.31
